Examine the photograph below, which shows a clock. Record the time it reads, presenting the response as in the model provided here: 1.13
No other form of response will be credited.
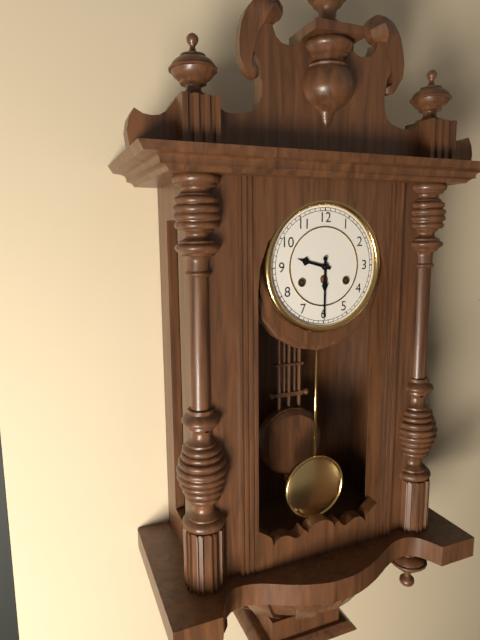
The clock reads 9.30
